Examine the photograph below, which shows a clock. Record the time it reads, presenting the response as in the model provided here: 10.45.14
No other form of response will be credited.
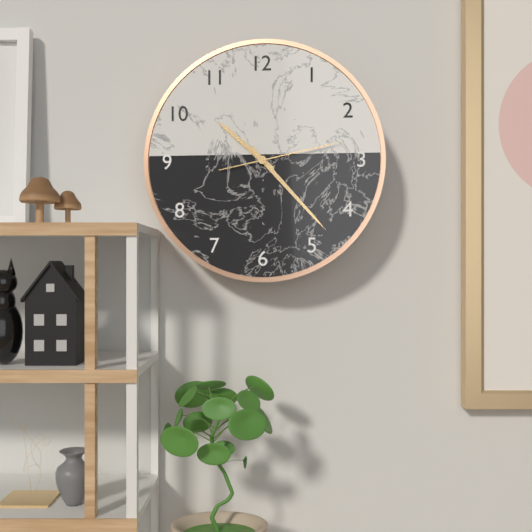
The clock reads 10.23.13
